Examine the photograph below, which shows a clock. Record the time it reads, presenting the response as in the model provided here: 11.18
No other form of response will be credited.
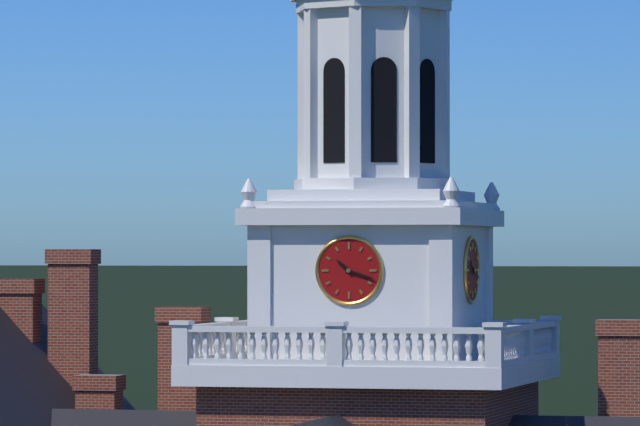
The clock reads 10.18
